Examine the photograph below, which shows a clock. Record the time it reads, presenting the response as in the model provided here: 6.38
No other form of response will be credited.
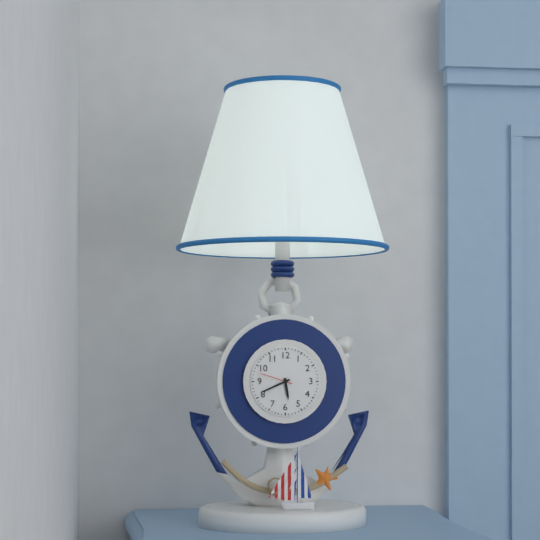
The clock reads 5.41
